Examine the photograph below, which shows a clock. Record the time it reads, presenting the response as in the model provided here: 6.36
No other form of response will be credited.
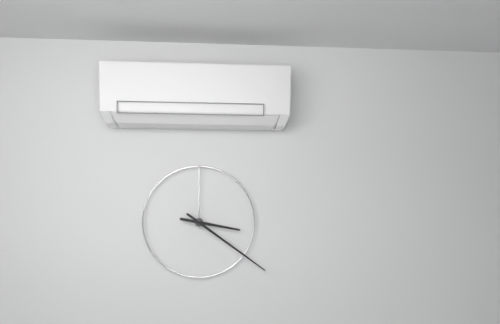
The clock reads 3.21
